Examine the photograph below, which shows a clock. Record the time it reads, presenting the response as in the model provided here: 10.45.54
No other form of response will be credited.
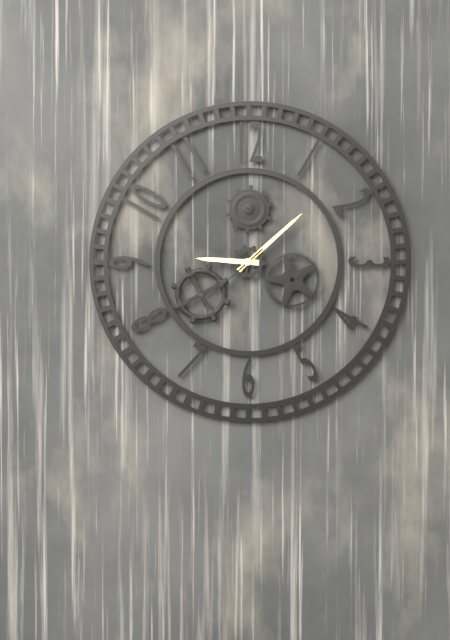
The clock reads 9.08.38
